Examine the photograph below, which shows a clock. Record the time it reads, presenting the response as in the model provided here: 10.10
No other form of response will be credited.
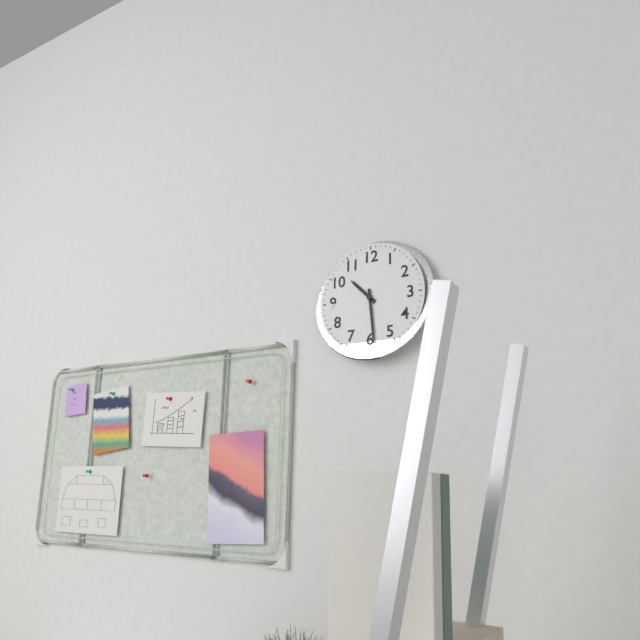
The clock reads 10.29
